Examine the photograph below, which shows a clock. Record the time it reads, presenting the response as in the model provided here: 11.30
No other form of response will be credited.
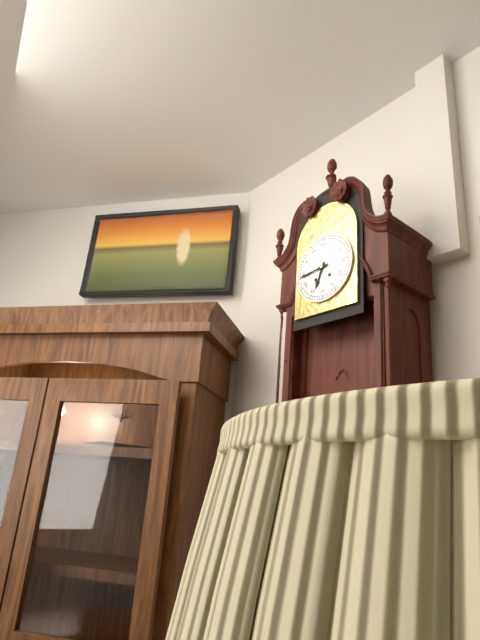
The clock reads 6.44
